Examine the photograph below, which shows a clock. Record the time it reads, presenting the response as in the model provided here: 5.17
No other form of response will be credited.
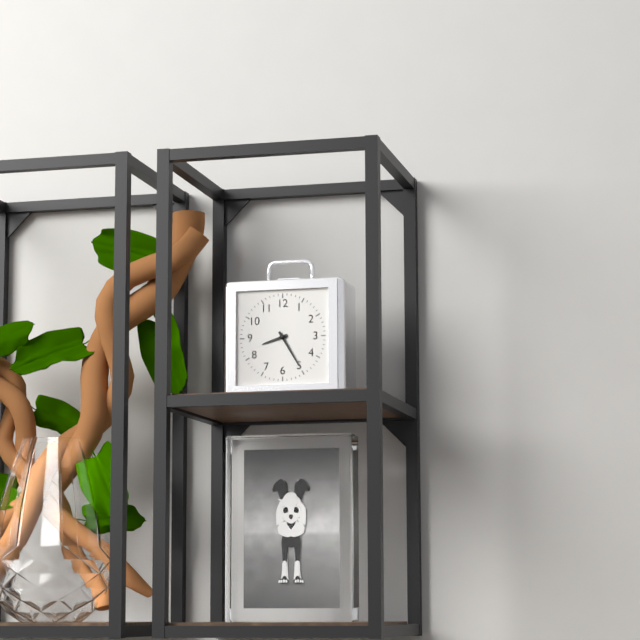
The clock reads 8.25
